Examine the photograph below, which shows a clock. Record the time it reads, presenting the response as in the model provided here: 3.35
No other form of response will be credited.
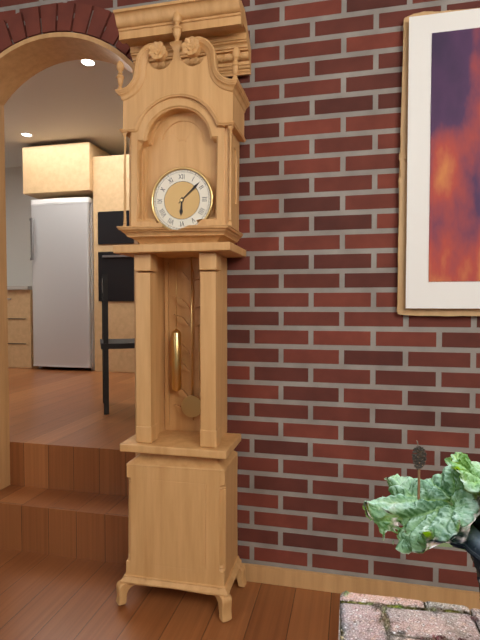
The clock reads 6.08
